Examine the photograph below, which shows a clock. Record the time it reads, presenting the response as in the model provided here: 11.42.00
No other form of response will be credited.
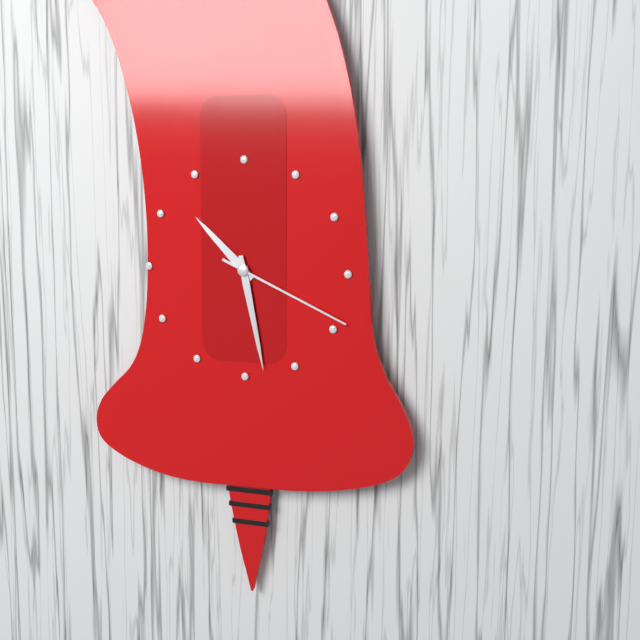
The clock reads 10.28.19
